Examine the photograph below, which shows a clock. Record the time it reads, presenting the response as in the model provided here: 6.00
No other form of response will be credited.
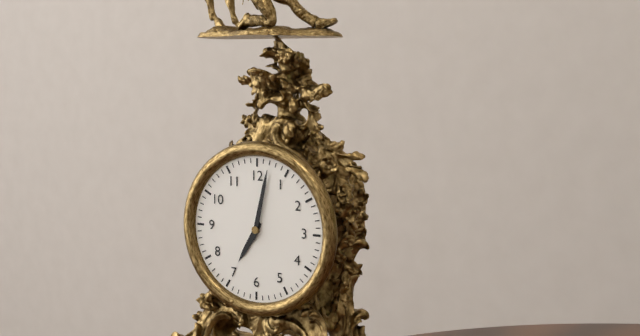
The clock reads 7.02
